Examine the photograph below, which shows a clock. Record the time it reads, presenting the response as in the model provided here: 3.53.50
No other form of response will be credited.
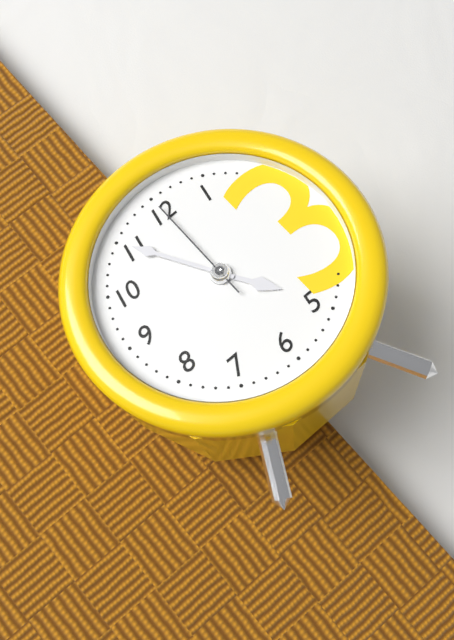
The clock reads 4.55.00
